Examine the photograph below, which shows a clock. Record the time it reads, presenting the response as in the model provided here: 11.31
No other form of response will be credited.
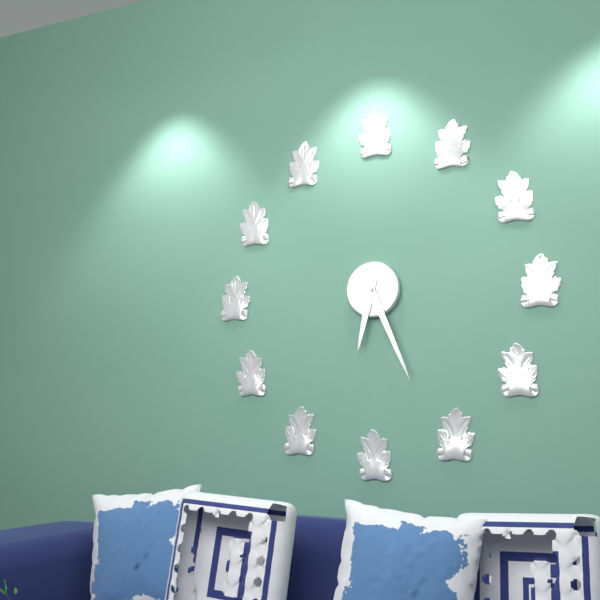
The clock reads 6.26
